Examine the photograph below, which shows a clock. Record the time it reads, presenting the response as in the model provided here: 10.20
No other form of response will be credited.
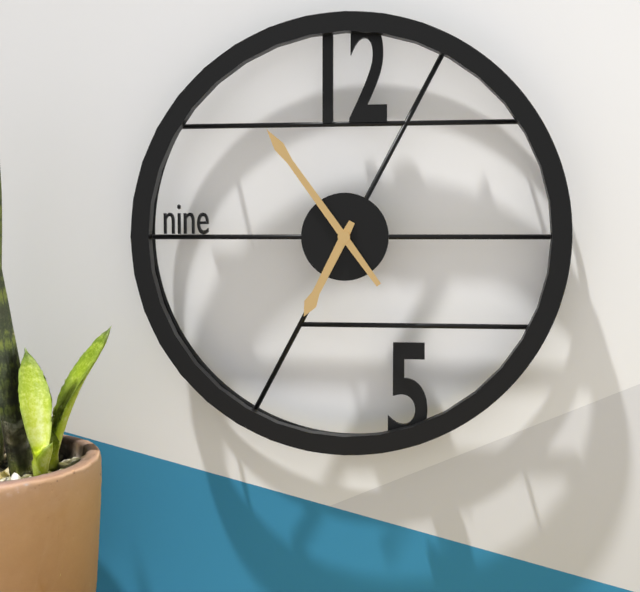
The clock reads 6.54
